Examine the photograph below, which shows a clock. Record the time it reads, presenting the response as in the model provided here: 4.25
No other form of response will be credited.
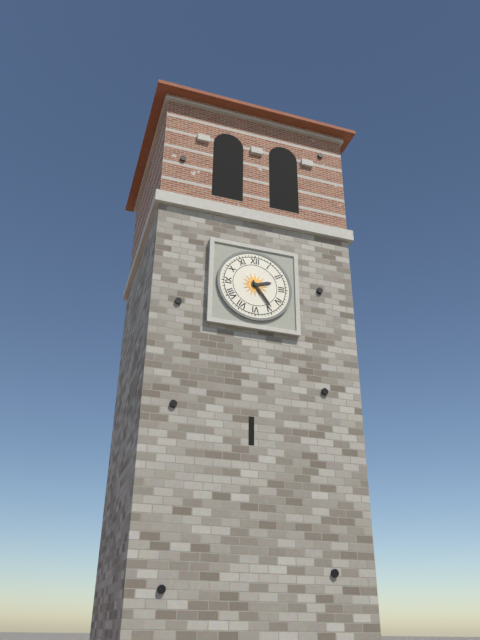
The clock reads 2.24
